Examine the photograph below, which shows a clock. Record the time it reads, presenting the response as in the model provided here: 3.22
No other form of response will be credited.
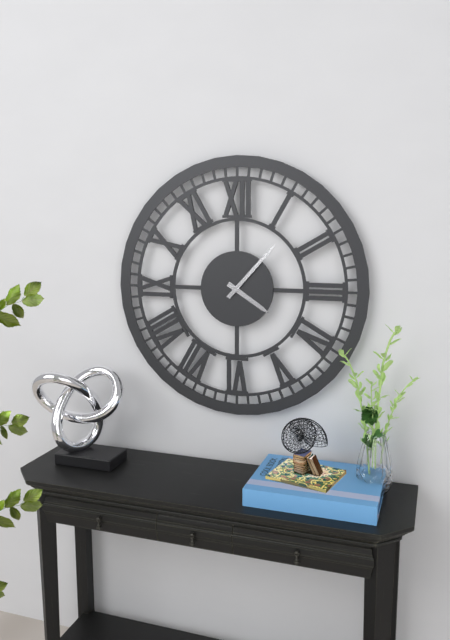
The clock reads 4.07
